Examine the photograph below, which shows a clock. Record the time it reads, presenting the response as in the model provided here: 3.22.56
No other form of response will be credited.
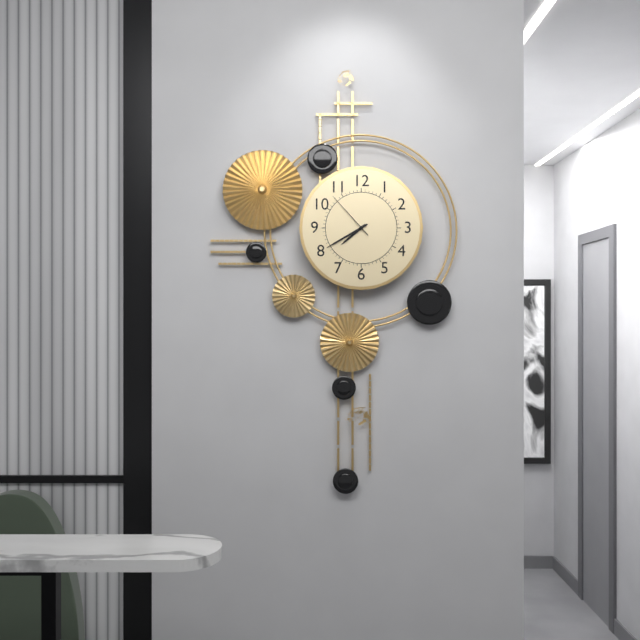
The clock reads 7.40.53
